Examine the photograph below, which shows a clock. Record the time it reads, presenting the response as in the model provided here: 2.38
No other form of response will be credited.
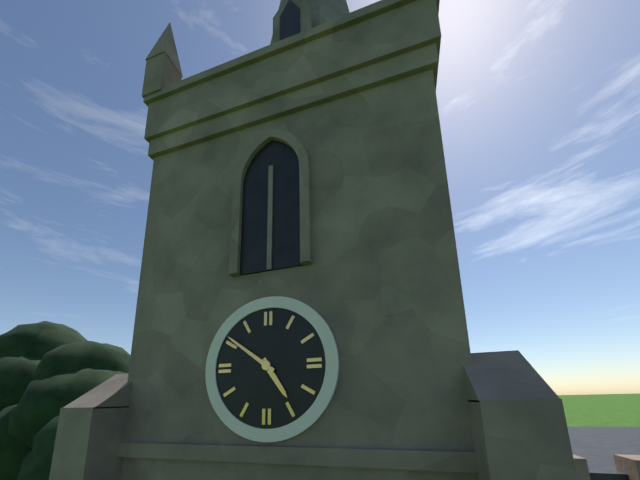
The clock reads 4.51
